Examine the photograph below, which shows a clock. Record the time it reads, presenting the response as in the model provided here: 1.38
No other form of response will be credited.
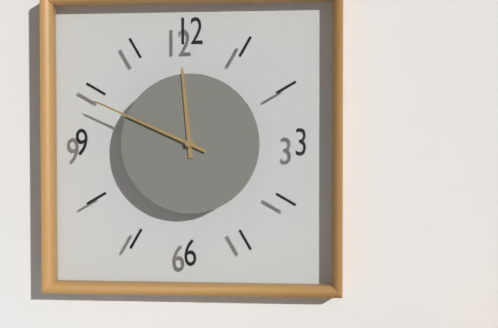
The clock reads 11.49
